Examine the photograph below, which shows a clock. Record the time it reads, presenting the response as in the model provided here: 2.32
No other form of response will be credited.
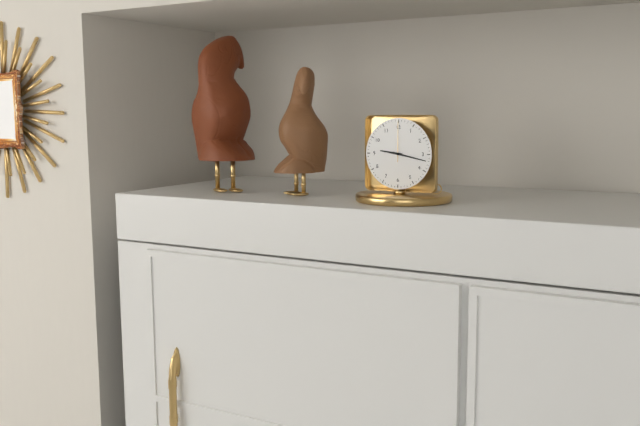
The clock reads 9.17
